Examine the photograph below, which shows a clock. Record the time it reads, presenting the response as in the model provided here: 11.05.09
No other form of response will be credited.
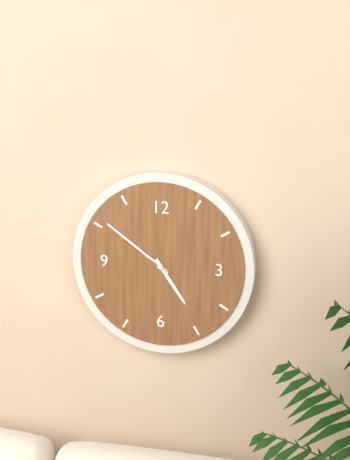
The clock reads 4.51.50
